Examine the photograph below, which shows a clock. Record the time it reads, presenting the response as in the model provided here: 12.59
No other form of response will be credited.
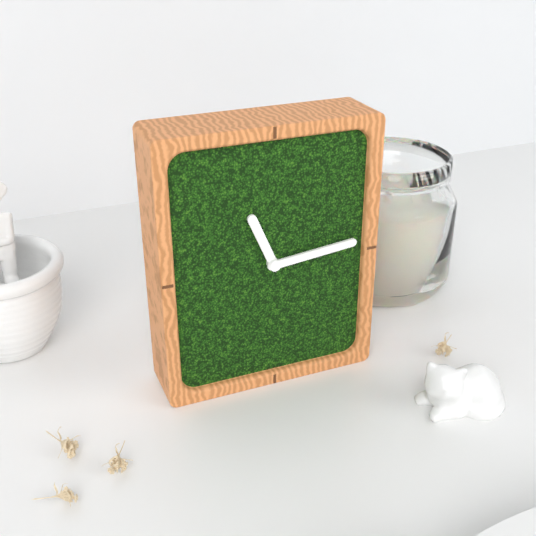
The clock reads 11.14
